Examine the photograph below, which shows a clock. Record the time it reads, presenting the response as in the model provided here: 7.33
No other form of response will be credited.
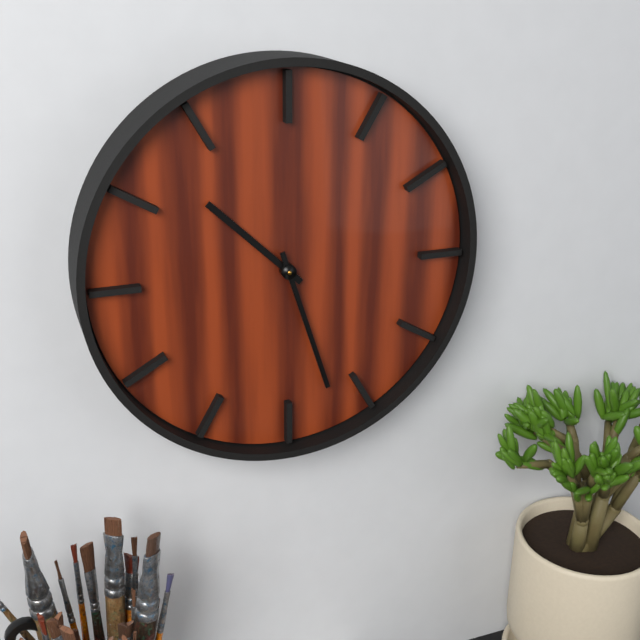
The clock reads 10.27
